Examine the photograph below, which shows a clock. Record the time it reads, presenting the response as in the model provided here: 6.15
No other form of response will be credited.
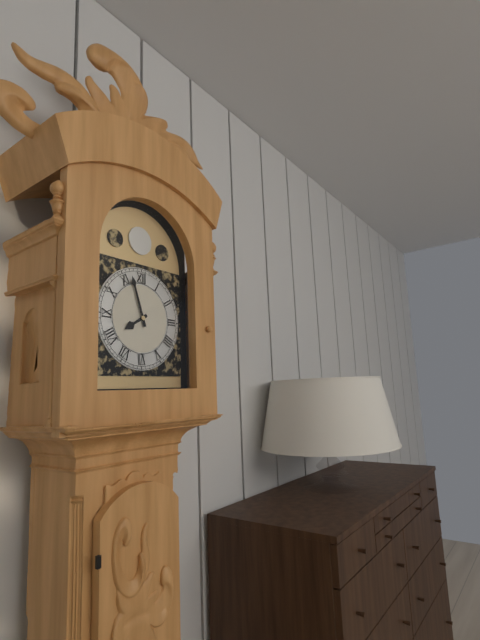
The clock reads 7.57
